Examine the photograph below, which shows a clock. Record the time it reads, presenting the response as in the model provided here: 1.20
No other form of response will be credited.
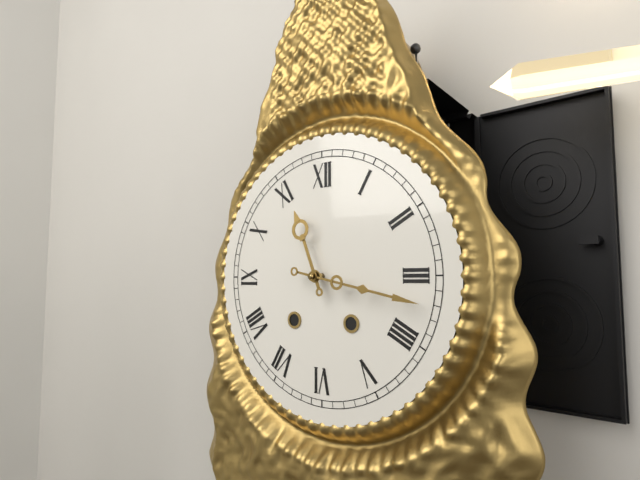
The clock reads 11.17
